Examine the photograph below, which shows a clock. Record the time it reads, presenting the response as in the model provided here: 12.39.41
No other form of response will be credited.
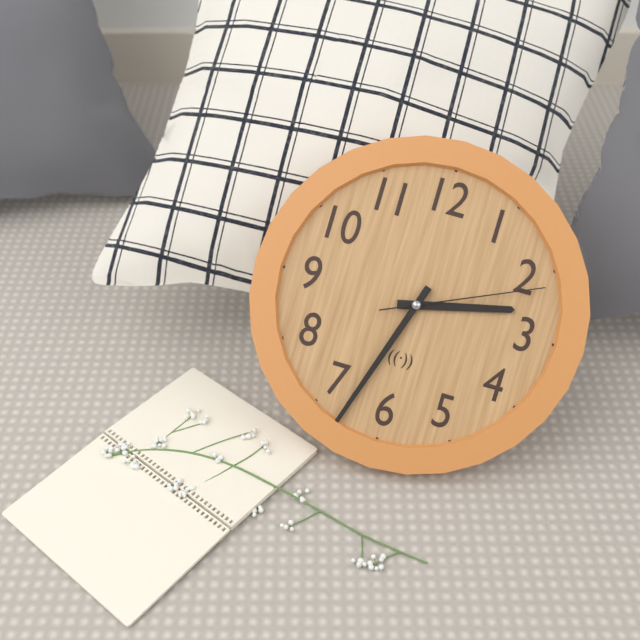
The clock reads 2.33.11
